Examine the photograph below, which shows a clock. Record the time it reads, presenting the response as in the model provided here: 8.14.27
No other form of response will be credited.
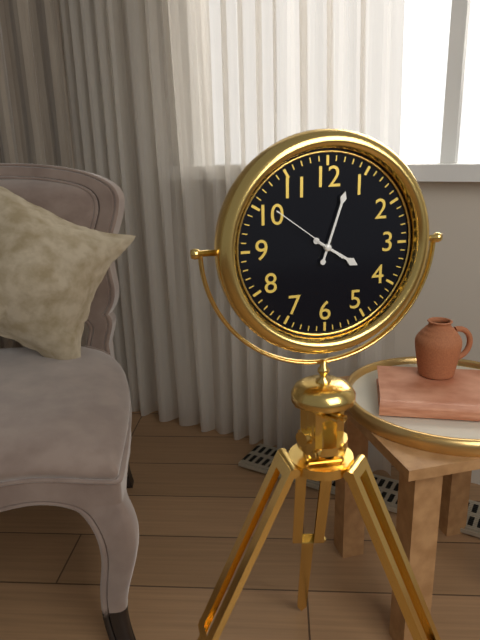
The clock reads 4.03.51
